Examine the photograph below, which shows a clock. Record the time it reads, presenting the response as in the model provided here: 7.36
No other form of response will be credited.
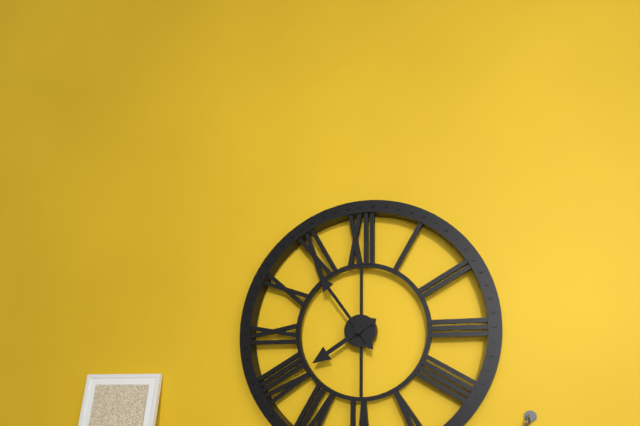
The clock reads 7.54
